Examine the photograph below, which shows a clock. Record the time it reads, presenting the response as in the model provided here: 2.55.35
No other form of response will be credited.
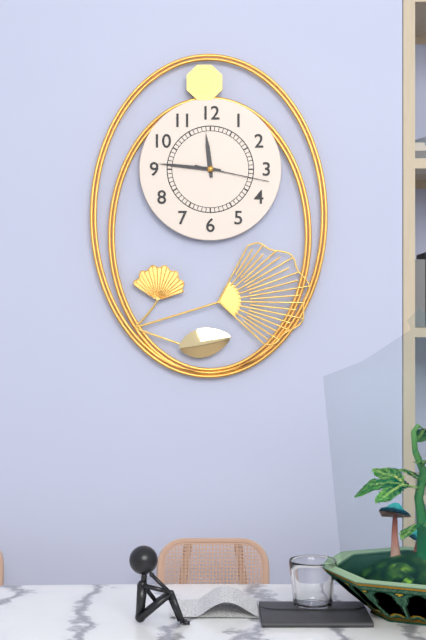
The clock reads 11.46.17
